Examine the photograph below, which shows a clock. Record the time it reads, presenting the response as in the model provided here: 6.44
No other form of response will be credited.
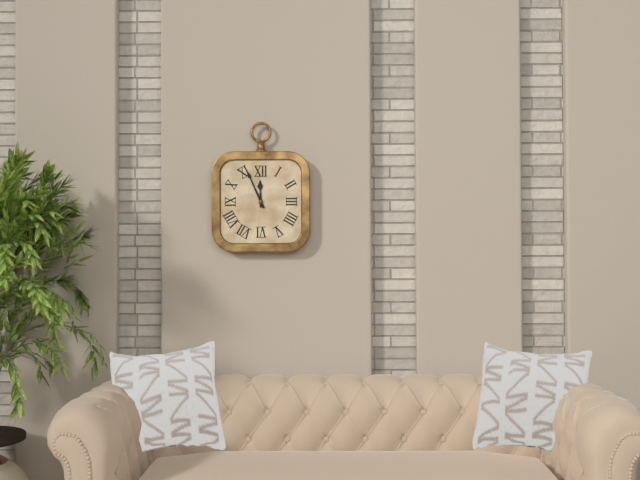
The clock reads 11.56
